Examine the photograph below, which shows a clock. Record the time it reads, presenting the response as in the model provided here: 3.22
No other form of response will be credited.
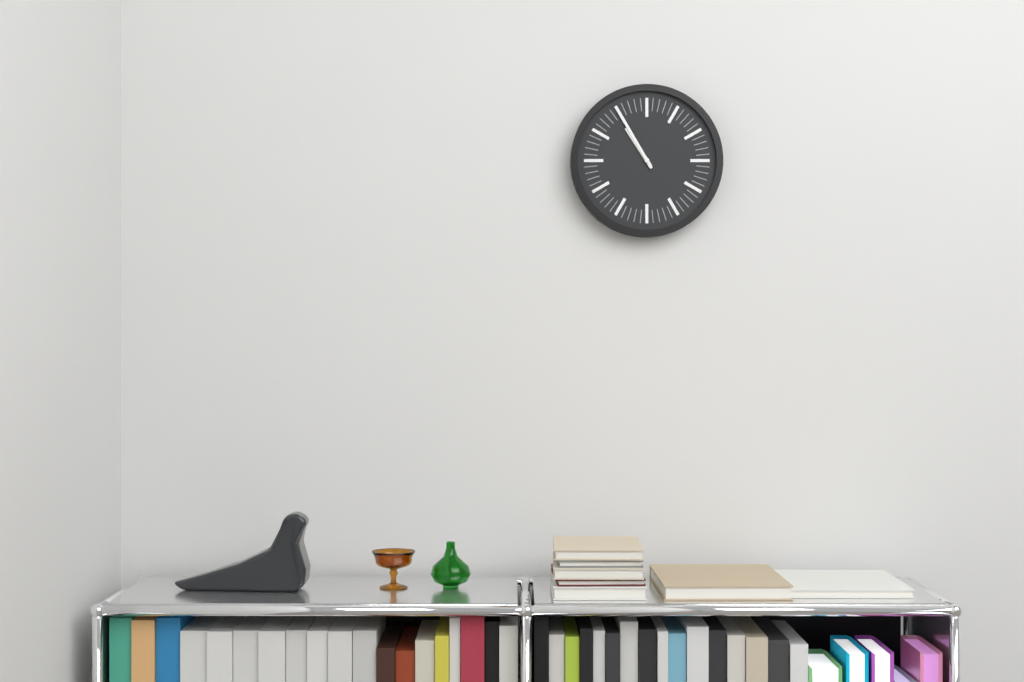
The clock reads 10.55
